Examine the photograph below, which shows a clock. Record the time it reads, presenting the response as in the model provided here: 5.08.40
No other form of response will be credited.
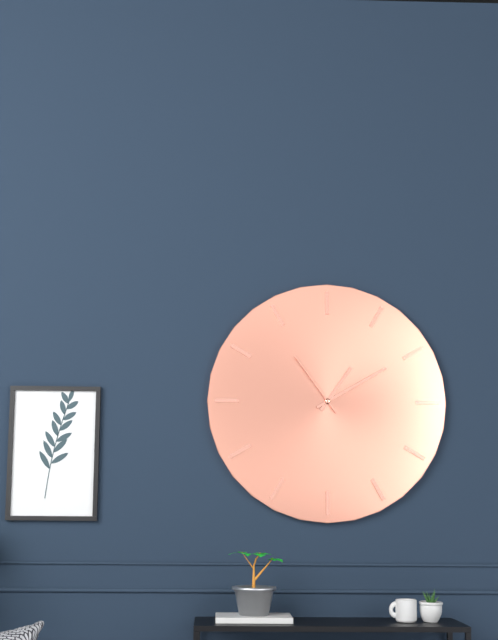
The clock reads 1.10.54
